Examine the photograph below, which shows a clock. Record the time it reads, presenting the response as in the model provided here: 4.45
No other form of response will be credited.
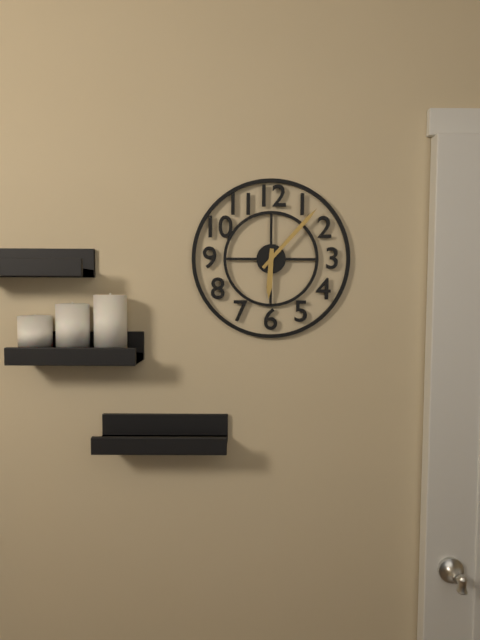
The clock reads 6.07
